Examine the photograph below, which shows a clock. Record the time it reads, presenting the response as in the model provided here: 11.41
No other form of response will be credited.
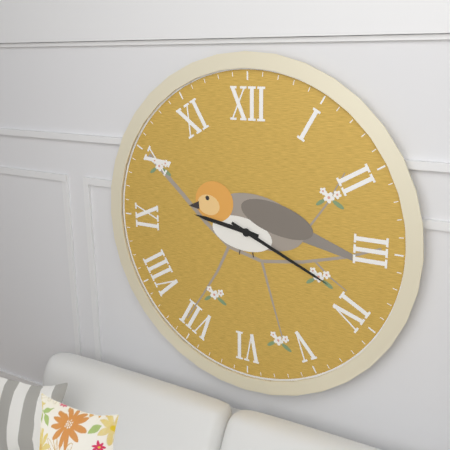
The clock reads 9.19
